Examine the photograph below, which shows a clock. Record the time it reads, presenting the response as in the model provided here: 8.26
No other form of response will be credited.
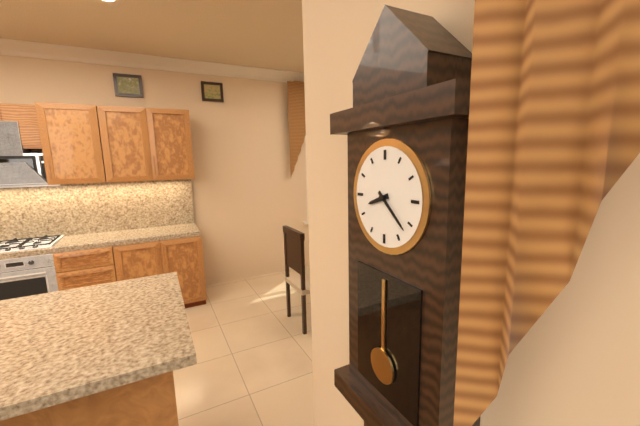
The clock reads 8.22
